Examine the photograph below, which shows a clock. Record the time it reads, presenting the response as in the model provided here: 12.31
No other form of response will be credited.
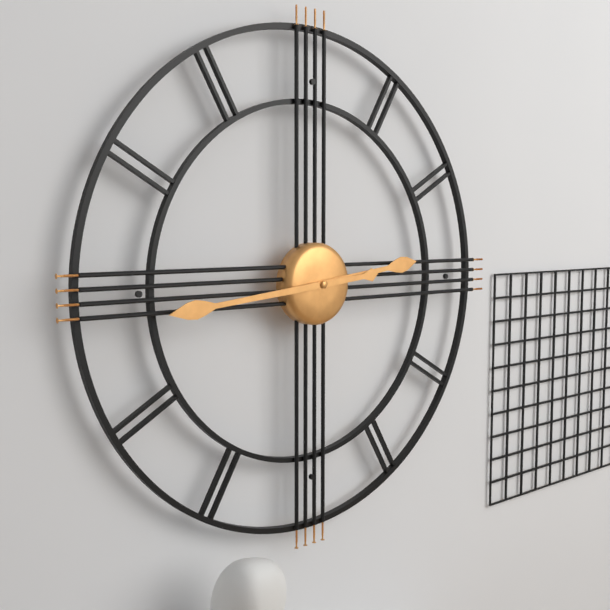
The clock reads 2.44
